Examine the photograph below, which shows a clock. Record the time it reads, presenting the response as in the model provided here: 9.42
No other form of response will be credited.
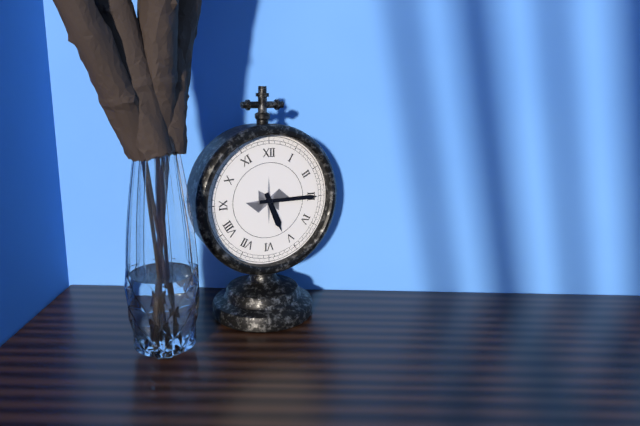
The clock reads 5.15
